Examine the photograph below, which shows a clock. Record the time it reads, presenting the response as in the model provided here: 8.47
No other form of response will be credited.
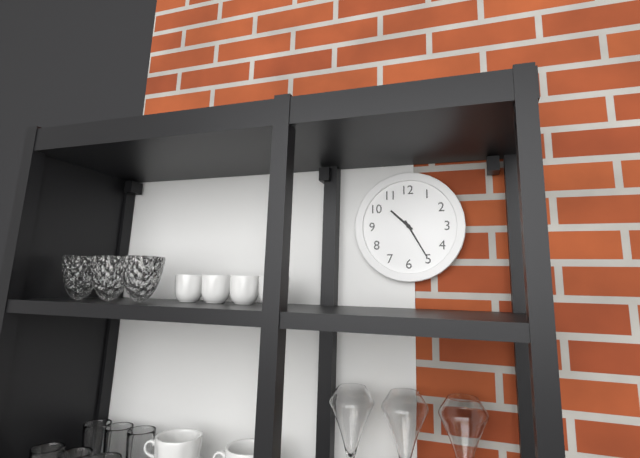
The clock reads 10.25
